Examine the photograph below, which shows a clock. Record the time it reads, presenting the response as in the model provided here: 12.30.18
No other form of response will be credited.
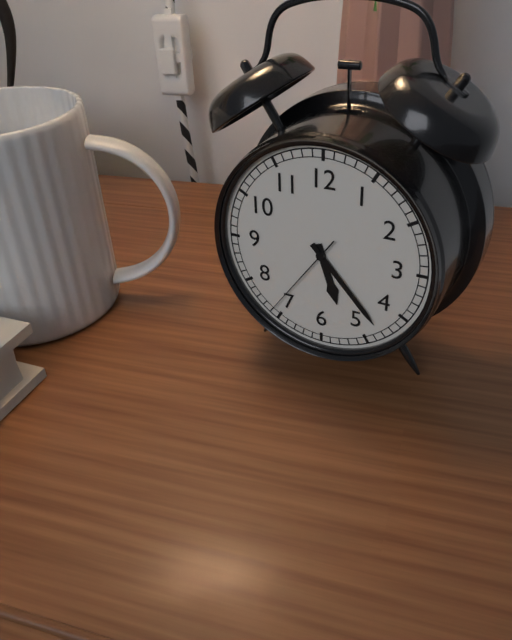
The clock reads 5.23.36
